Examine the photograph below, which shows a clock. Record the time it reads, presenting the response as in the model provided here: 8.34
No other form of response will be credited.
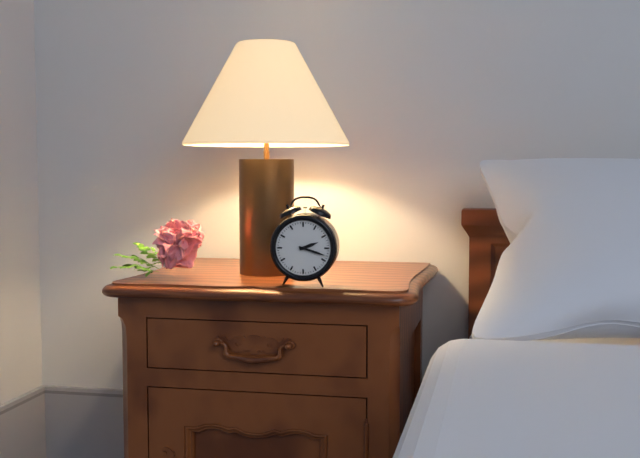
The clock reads 2.18
